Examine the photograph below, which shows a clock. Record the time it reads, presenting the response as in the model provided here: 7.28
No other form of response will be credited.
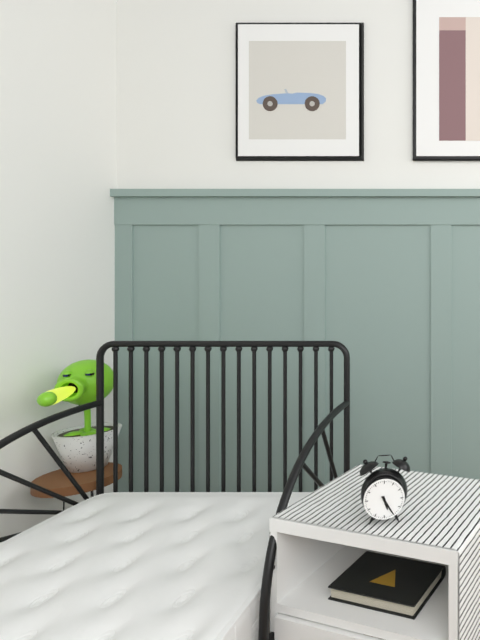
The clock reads 5.25
